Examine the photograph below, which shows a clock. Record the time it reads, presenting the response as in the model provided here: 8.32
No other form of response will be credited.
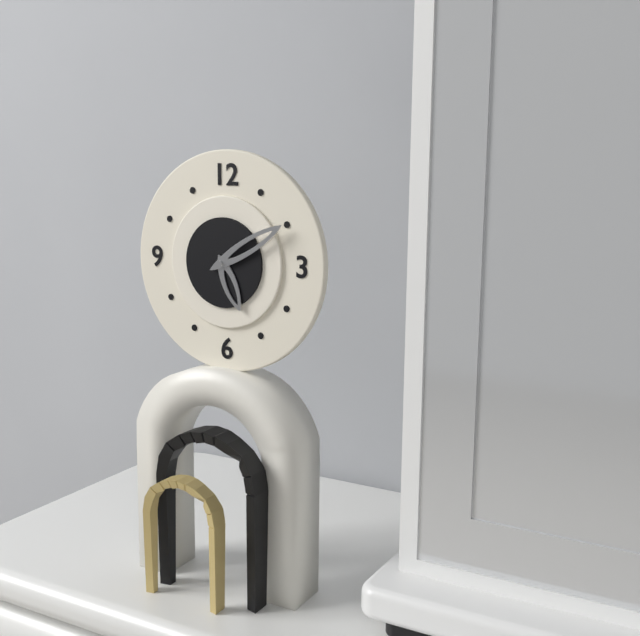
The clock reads 5.10
